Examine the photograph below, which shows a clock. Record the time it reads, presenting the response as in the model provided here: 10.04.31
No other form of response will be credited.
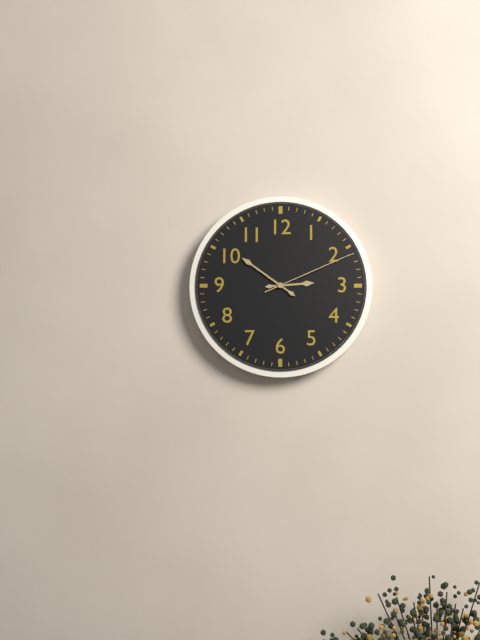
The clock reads 2.51.11
